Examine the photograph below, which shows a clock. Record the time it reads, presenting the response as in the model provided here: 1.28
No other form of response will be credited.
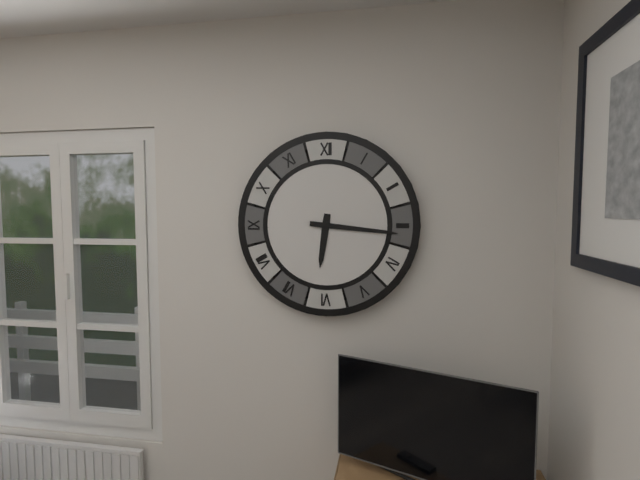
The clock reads 6.16
